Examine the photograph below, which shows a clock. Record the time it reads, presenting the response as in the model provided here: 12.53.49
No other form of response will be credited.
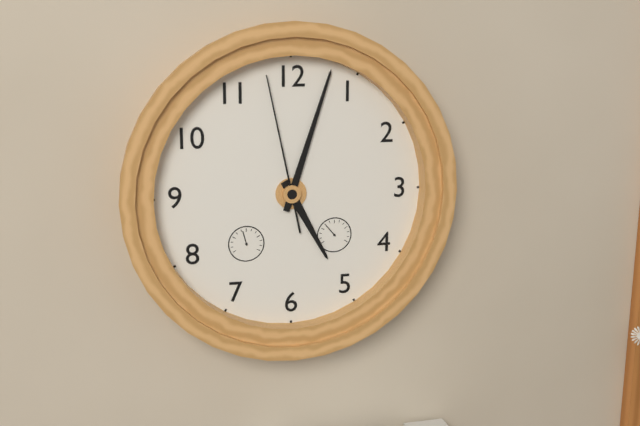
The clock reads 5.03.58
